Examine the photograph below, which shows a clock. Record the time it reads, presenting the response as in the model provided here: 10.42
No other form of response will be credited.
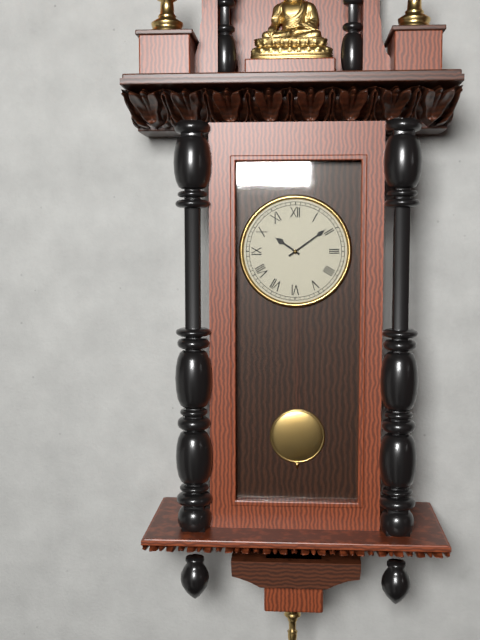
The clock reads 10.09
